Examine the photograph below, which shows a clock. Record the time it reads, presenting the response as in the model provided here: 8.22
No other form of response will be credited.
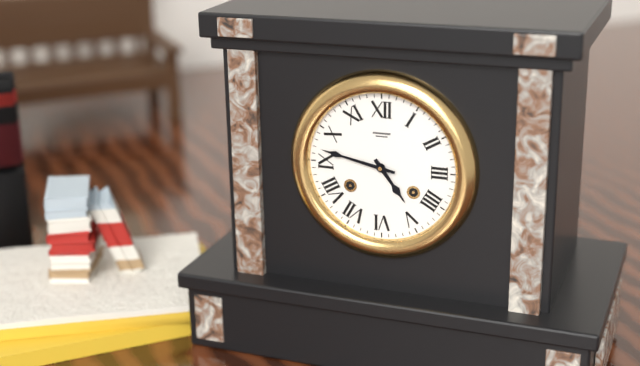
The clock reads 4.47
